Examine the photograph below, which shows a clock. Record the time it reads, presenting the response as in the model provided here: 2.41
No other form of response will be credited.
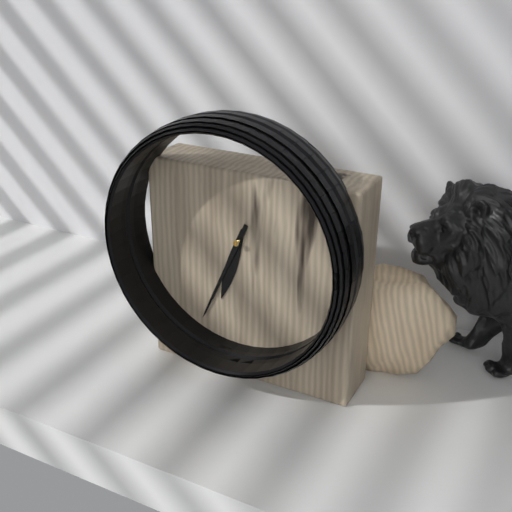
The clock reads 6.34
